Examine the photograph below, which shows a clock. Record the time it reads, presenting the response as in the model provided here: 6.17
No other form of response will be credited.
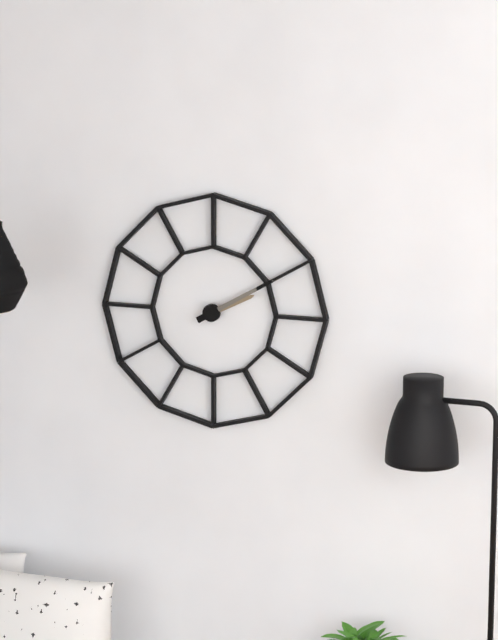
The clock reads 2.10
